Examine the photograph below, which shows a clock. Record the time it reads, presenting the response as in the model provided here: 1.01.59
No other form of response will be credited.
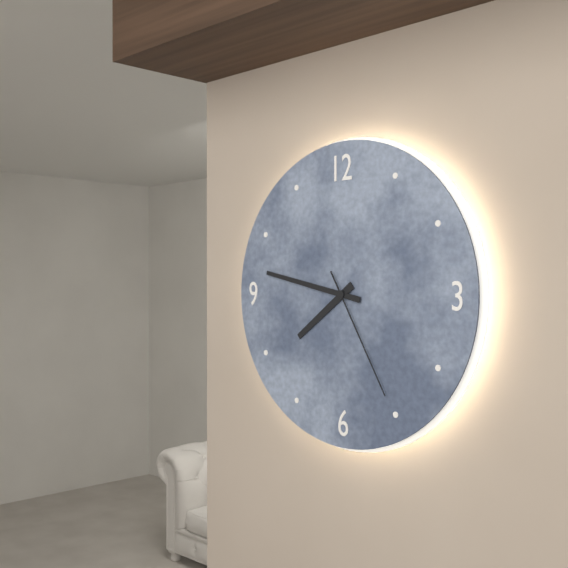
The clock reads 7.47.25
